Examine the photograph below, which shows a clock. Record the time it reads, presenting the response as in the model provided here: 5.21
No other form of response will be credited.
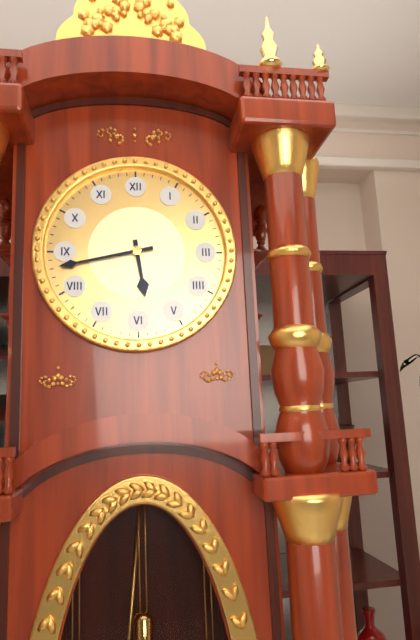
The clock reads 5.43
